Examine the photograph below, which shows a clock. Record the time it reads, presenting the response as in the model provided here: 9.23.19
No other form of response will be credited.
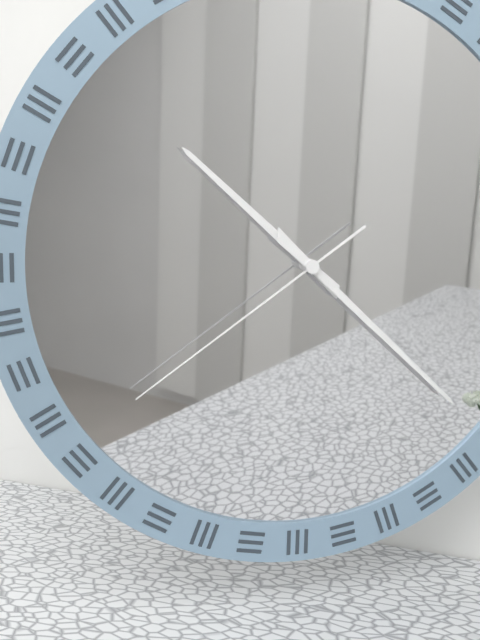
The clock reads 10.22.39
